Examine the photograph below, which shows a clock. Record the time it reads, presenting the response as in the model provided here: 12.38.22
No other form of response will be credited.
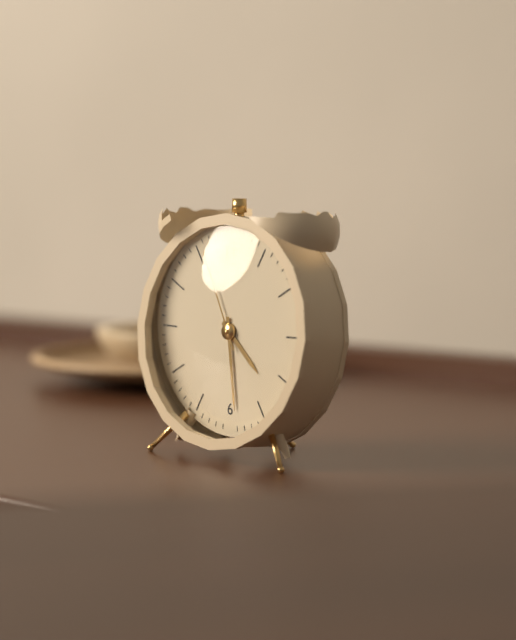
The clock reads 4.29.56
